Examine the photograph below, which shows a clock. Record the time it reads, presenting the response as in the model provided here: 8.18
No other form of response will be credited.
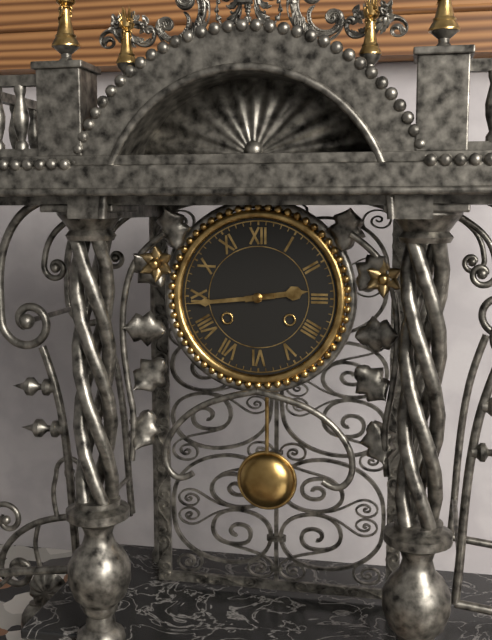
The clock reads 2.44
